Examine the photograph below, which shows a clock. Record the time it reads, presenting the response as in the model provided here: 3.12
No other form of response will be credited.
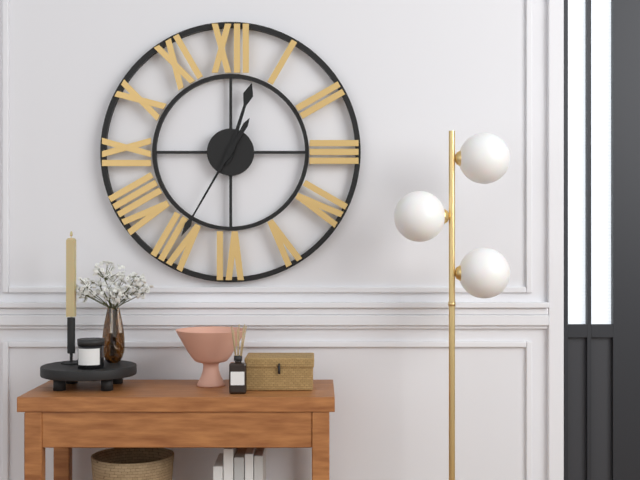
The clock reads 12.35
